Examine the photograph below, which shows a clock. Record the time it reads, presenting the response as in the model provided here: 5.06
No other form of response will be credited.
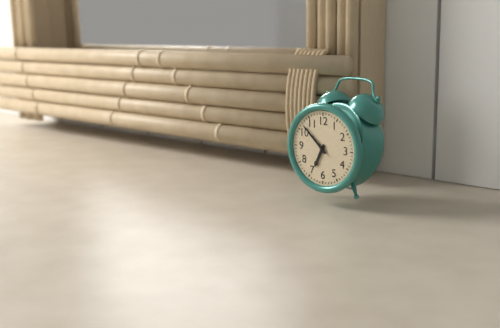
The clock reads 6.52
